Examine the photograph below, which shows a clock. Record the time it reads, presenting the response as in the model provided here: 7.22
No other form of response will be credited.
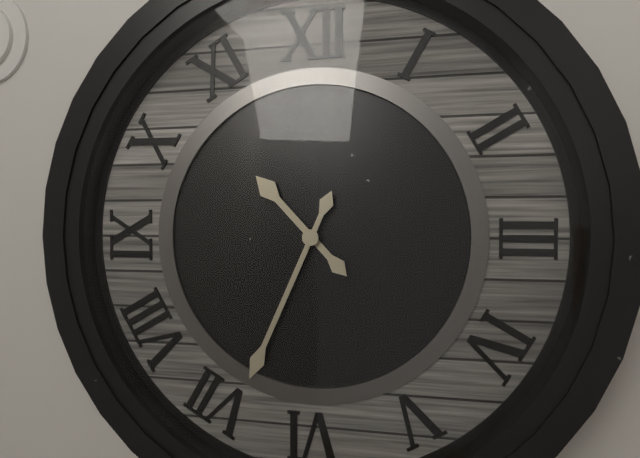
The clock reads 10.34
